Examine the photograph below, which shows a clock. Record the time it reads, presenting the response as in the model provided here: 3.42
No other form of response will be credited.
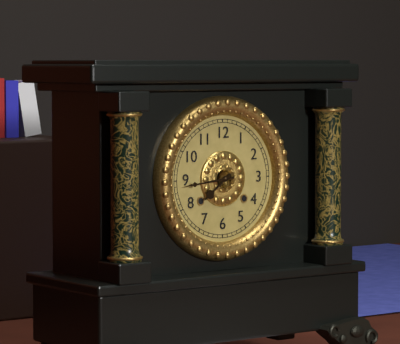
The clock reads 7.44
